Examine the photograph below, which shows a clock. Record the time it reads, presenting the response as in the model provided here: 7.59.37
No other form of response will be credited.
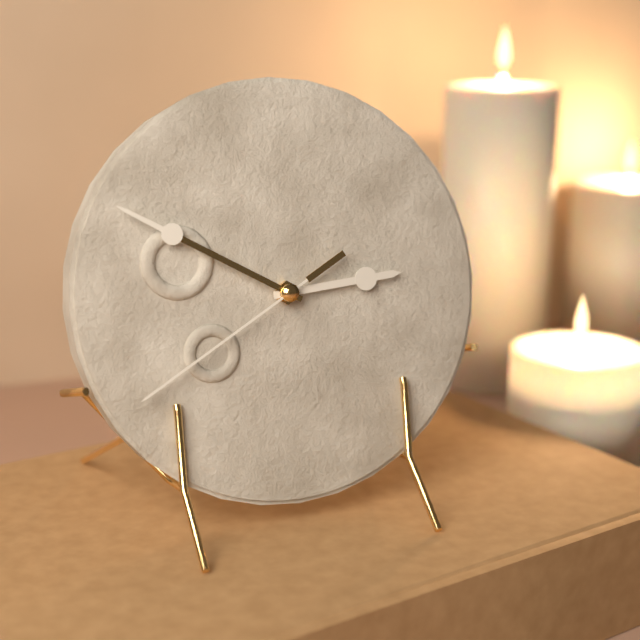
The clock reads 2.50.40
